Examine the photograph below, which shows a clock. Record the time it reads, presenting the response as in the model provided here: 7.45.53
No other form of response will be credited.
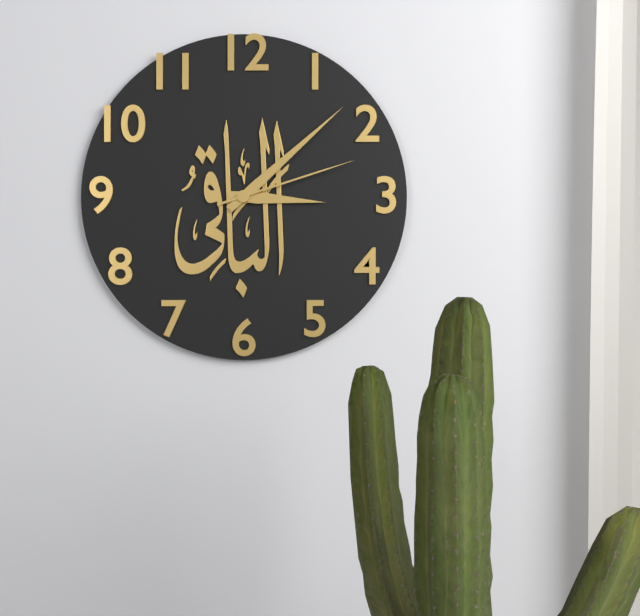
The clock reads 3.08.12
